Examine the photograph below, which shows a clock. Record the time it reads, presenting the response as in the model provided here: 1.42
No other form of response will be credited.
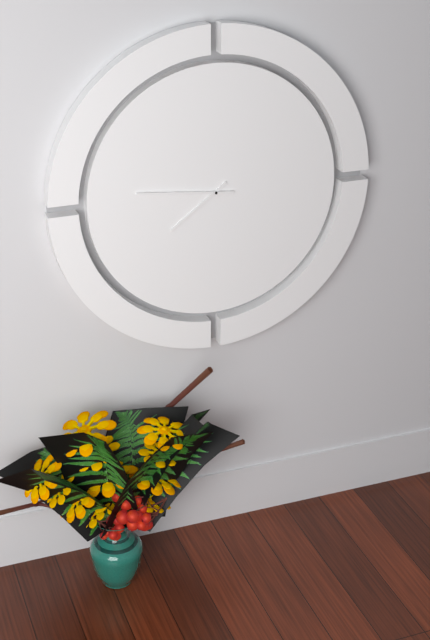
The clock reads 7.46
